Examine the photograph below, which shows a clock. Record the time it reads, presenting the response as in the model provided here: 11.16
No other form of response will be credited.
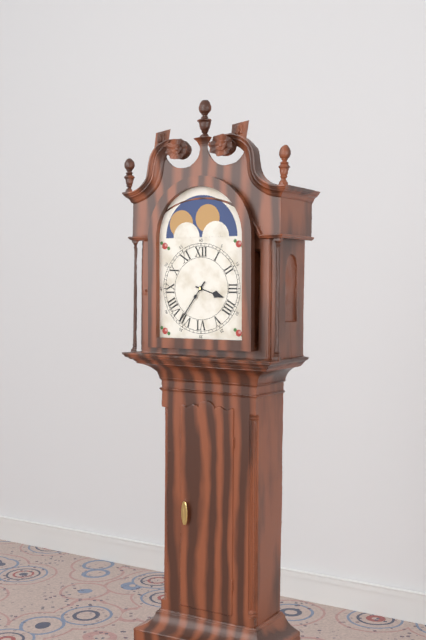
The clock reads 3.36
